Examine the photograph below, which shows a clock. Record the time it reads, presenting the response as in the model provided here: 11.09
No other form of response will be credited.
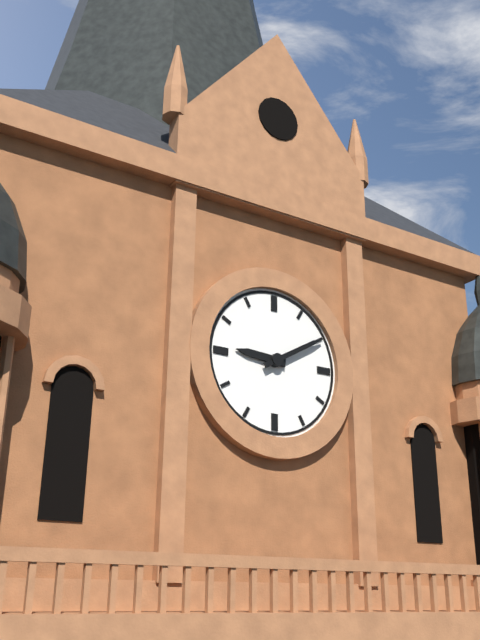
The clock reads 9.10
